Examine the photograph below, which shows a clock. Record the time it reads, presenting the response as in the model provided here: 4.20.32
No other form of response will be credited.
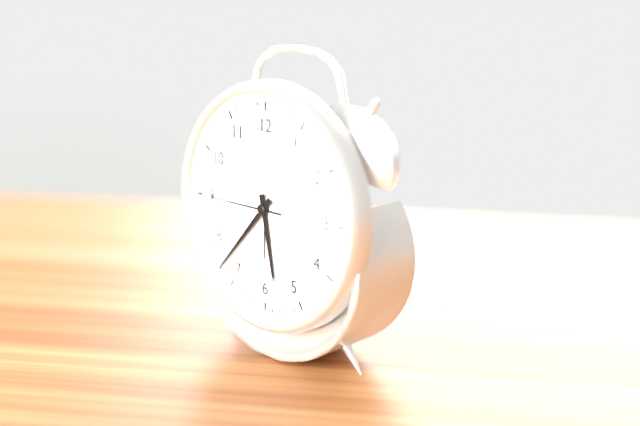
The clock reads 5.37.45
